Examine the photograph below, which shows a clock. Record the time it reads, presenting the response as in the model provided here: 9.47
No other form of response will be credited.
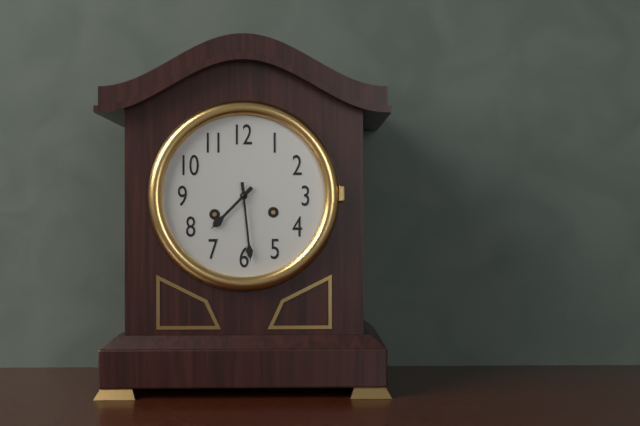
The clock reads 7.29
